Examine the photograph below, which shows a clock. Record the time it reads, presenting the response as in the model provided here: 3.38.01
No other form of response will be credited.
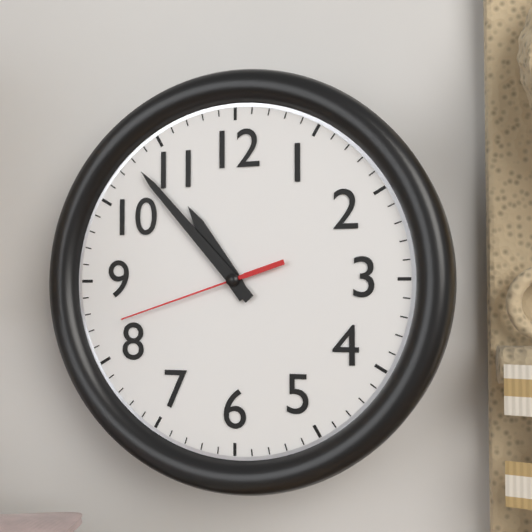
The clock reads 10.53.42
